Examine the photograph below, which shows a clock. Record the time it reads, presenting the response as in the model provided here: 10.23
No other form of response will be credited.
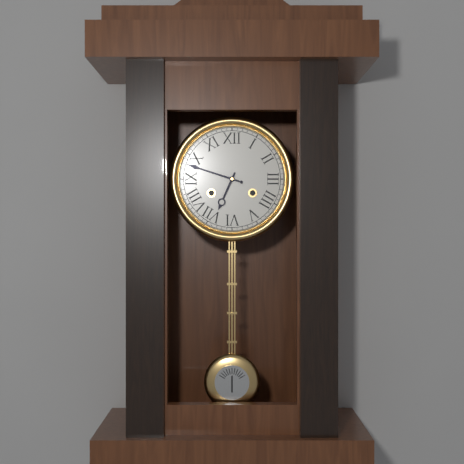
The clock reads 6.48
